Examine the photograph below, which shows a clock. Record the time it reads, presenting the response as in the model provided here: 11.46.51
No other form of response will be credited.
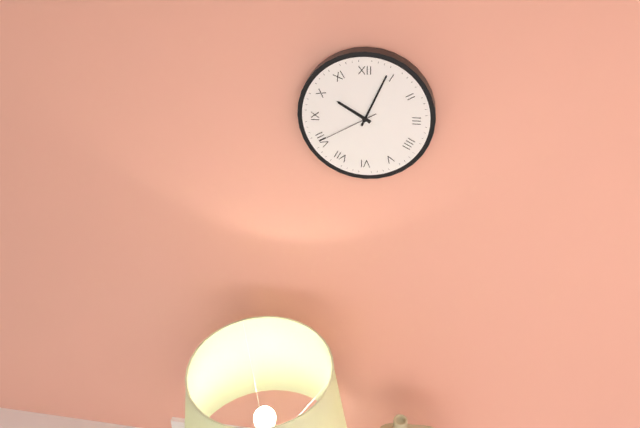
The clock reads 10.04.40
